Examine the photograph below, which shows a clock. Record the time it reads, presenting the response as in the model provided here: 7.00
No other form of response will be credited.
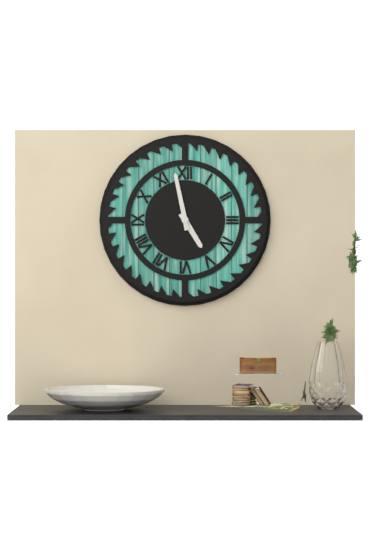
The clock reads 4.58
